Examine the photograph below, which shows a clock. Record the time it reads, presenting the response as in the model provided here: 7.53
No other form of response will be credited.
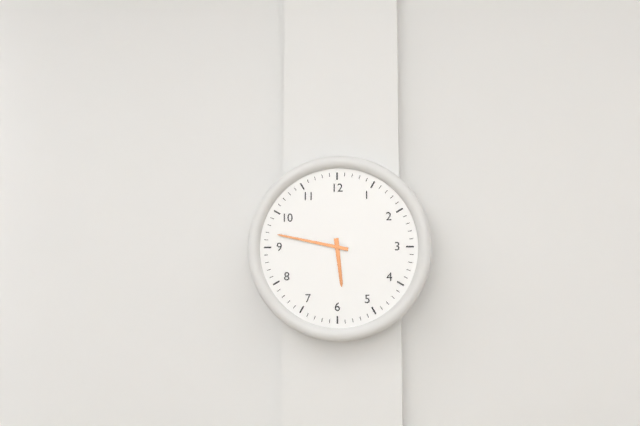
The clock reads 5.47
